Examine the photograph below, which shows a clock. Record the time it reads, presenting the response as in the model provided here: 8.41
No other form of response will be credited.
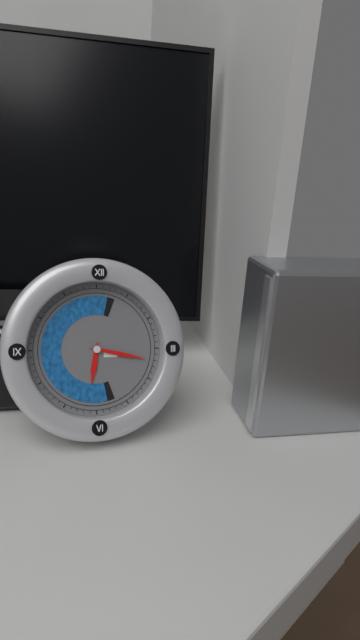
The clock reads 6.17
